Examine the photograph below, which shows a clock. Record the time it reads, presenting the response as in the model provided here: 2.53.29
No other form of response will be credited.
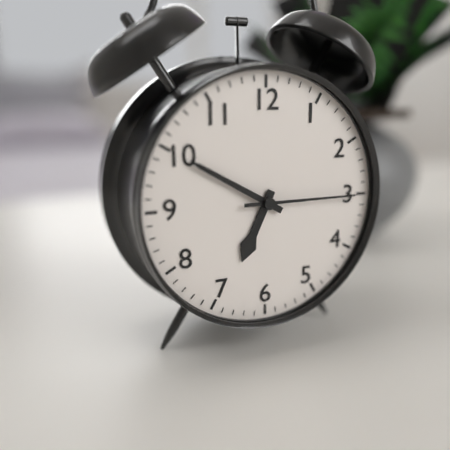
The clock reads 6.50.15
